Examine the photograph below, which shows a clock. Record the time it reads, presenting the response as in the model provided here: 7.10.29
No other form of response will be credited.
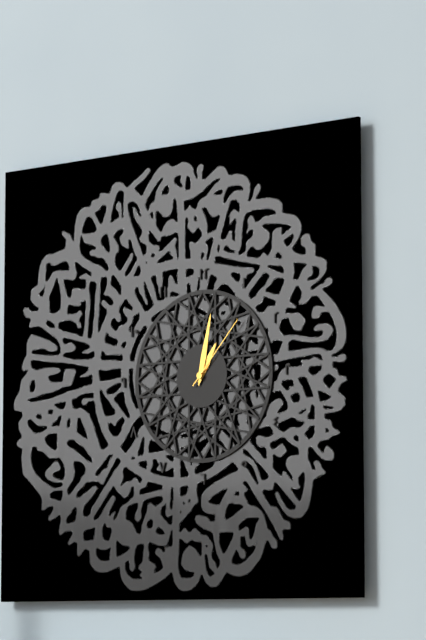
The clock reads 1.02.07
